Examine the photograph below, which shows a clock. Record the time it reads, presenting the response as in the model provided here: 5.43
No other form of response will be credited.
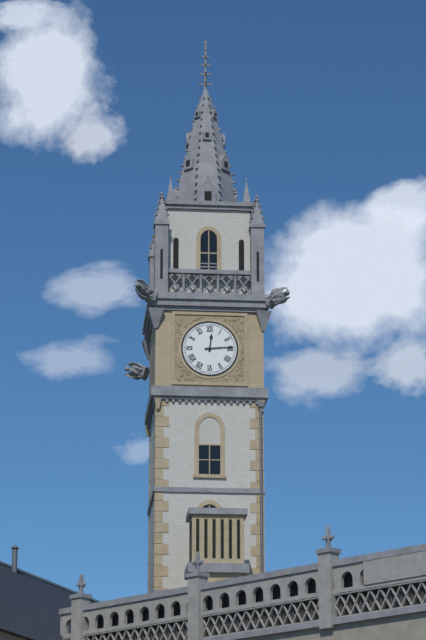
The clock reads 12.14
